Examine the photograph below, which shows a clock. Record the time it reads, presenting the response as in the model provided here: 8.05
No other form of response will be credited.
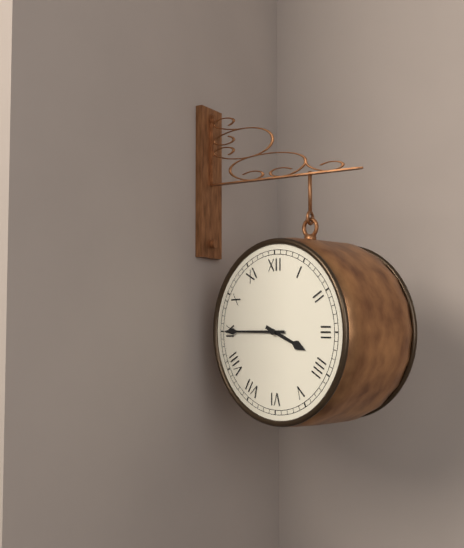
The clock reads 3.45
